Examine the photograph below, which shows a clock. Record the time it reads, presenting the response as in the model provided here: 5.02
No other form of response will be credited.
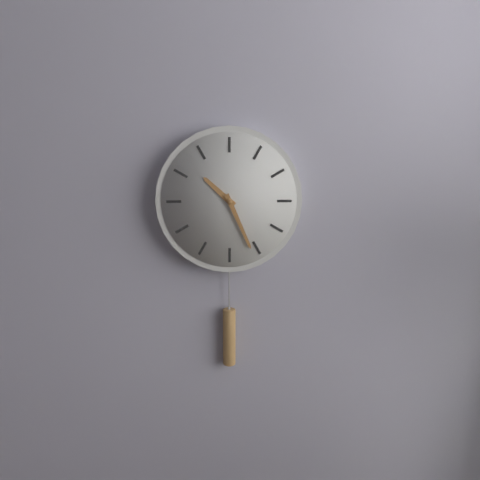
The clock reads 10.26
